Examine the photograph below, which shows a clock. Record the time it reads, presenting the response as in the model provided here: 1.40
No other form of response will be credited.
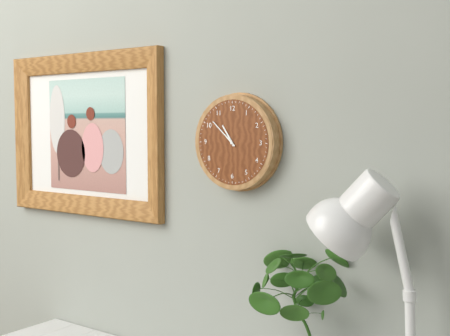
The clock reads 10.52
